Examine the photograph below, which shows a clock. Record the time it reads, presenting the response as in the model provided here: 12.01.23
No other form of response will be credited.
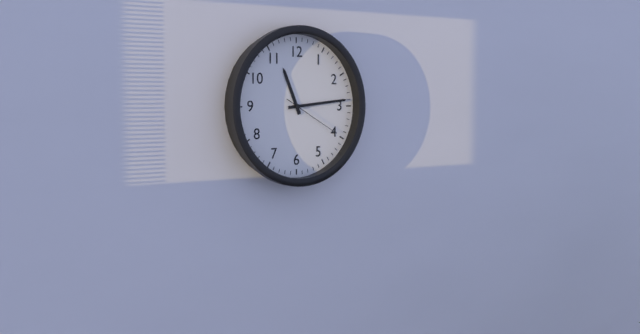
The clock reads 11.14.20
